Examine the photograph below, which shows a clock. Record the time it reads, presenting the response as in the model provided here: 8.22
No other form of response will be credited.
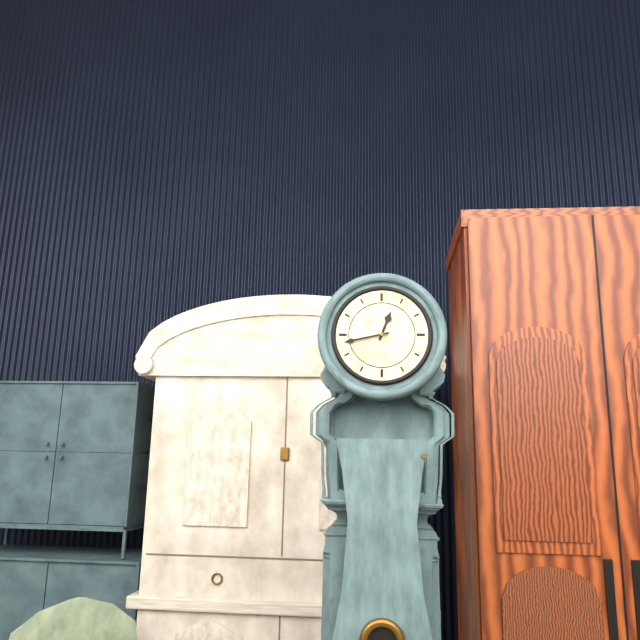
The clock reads 12.43
